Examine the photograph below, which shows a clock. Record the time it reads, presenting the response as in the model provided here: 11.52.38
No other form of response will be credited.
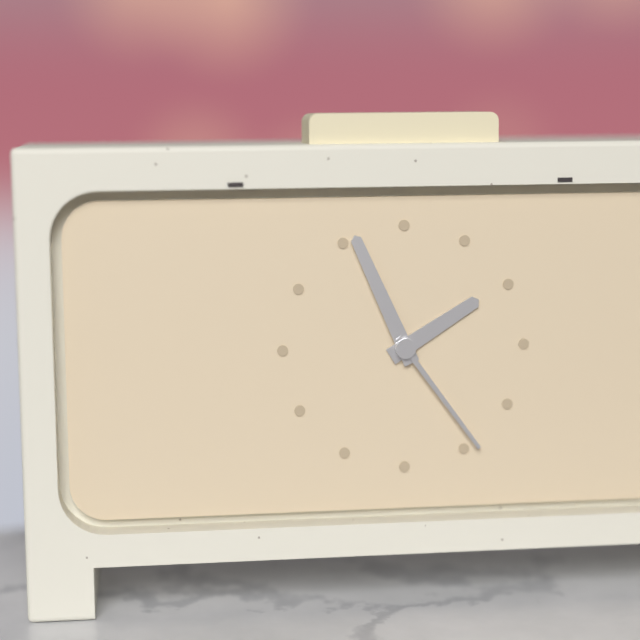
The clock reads 1.56.24
